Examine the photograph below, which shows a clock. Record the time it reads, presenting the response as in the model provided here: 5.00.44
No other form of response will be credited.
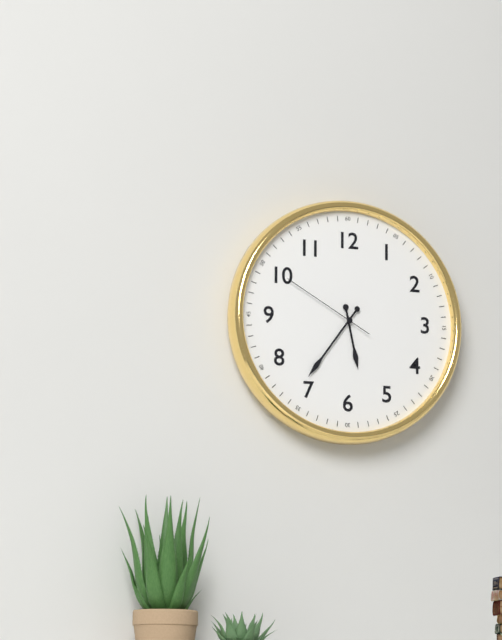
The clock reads 5.36.50
